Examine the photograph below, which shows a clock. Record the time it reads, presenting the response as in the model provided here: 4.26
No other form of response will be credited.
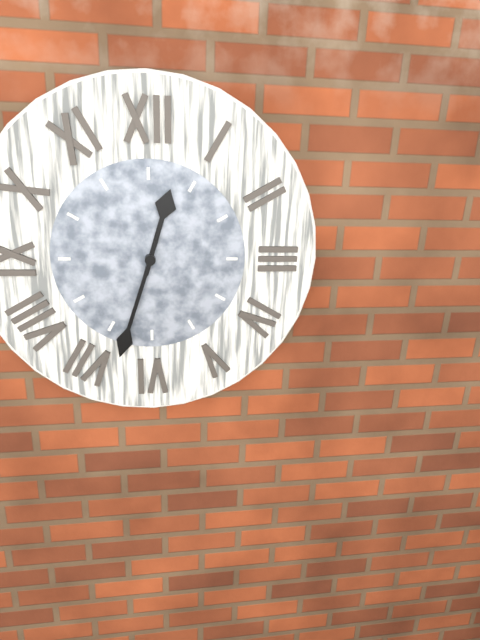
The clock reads 12.33
